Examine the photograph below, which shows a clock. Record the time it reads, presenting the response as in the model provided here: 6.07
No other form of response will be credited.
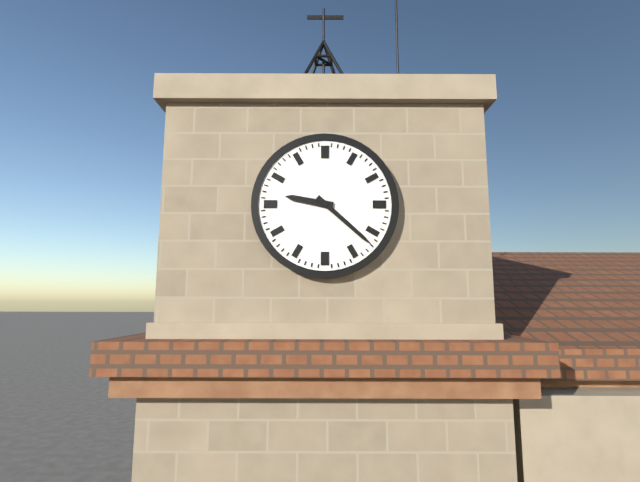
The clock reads 9.22
